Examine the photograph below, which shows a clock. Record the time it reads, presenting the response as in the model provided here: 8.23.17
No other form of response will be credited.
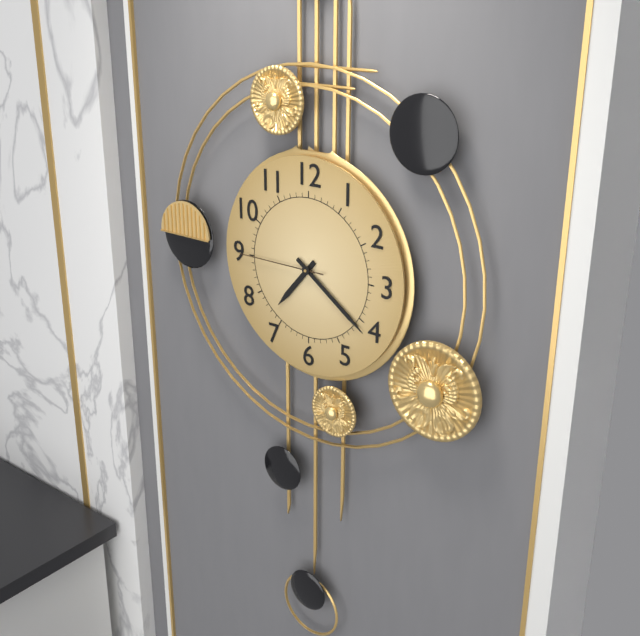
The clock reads 7.21.45
